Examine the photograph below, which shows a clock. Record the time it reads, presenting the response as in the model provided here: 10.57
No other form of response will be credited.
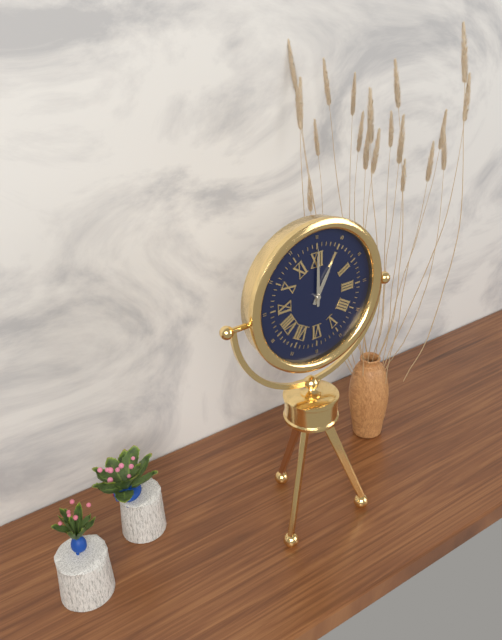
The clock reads 1.00
